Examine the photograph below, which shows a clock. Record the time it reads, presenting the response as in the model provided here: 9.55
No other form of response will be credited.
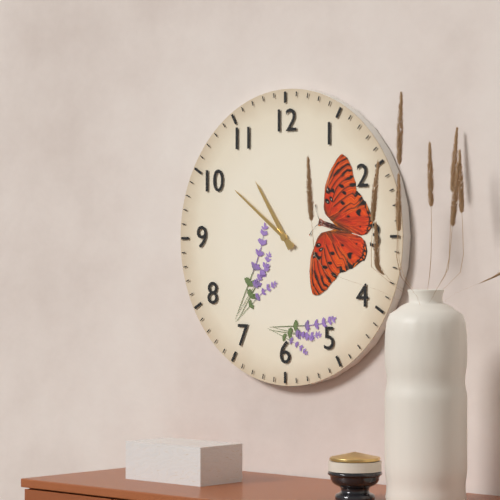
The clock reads 10.51
